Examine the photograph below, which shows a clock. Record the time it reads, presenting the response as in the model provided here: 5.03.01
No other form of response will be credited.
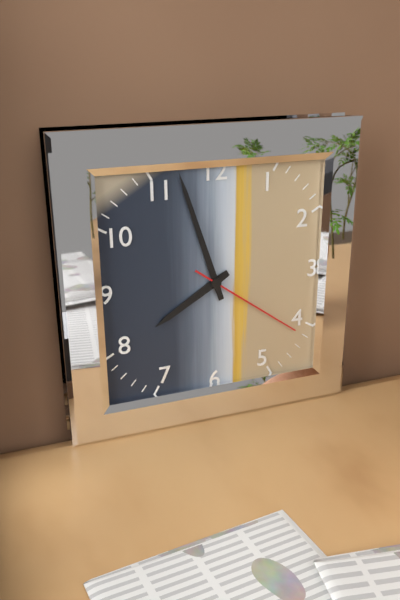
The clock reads 7.57.21
